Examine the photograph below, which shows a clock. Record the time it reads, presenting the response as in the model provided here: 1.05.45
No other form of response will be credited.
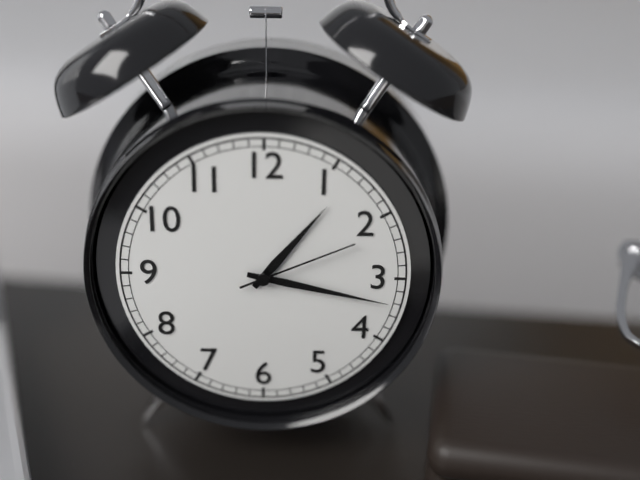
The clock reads 1.17.11
